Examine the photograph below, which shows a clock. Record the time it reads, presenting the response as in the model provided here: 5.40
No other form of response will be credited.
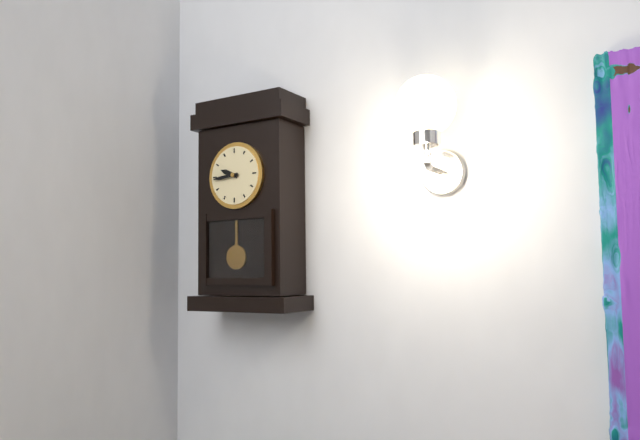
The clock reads 9.44
